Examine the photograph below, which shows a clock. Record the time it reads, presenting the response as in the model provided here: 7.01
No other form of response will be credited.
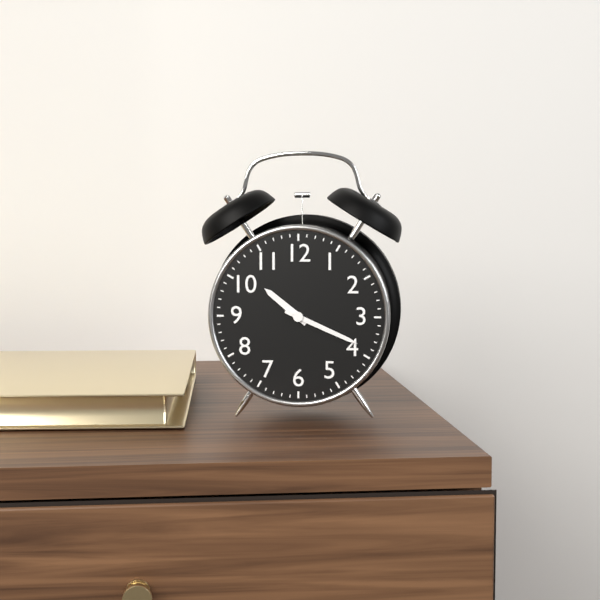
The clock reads 10.19
